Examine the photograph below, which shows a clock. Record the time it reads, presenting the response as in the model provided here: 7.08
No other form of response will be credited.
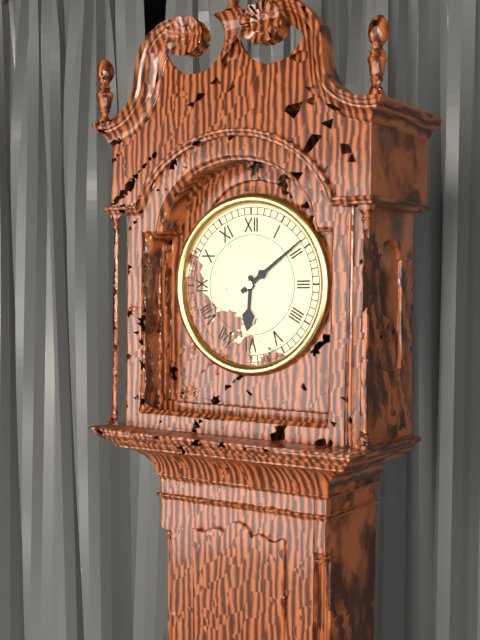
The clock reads 6.09
